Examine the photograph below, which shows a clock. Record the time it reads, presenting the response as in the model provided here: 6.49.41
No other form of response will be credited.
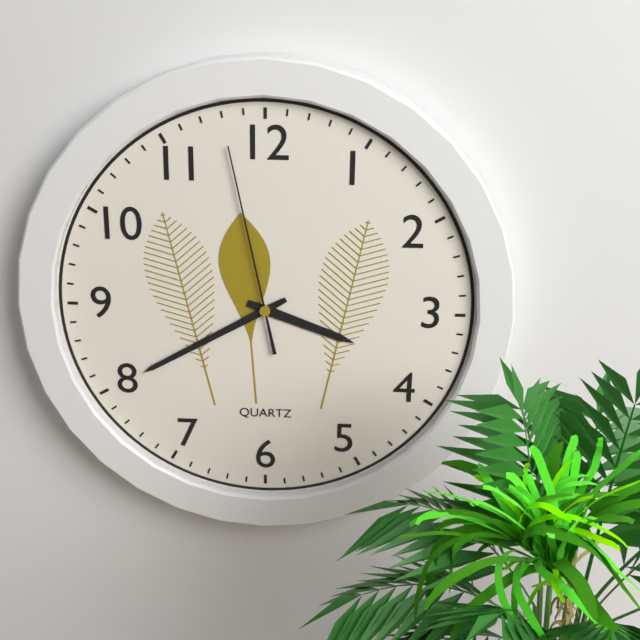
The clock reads 3.40.58
